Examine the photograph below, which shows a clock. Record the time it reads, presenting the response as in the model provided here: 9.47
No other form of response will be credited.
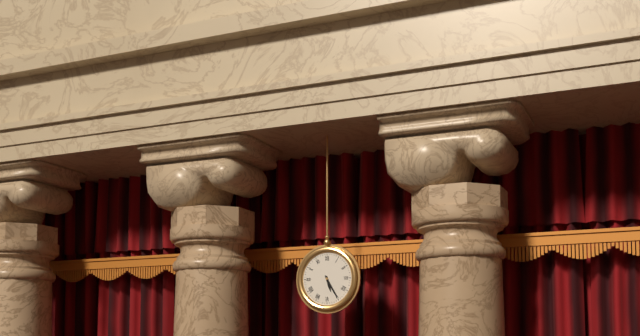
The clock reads 5.25
